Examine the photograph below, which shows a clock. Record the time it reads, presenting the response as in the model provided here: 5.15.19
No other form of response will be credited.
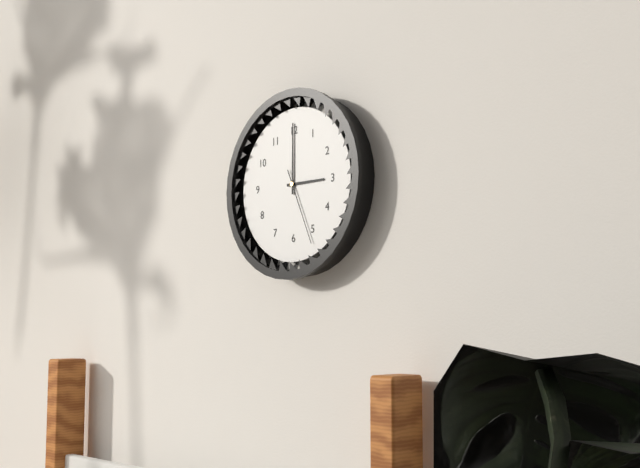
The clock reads 3.00.26
